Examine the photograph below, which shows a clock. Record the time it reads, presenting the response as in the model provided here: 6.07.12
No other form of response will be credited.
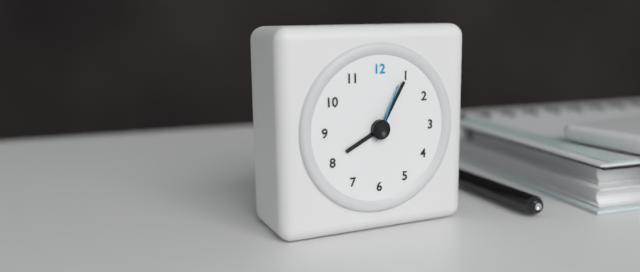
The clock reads 8.05.04
